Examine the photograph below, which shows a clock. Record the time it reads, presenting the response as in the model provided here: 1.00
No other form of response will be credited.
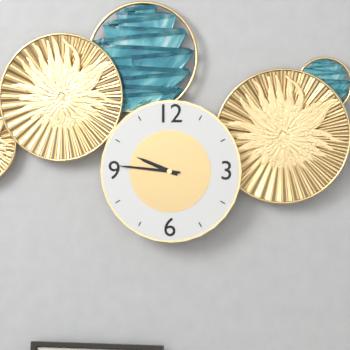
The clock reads 9.46
